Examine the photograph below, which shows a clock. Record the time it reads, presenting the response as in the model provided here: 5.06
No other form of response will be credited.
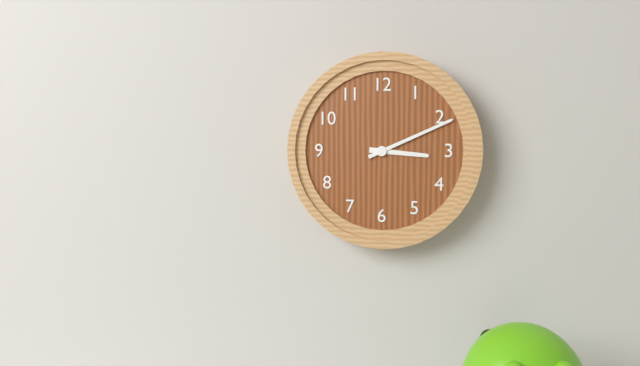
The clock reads 3.11
